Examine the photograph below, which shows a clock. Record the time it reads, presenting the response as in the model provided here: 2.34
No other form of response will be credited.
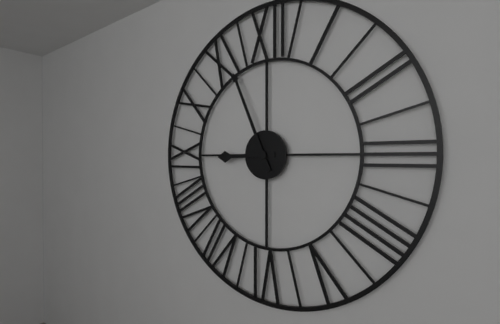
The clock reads 8.56
